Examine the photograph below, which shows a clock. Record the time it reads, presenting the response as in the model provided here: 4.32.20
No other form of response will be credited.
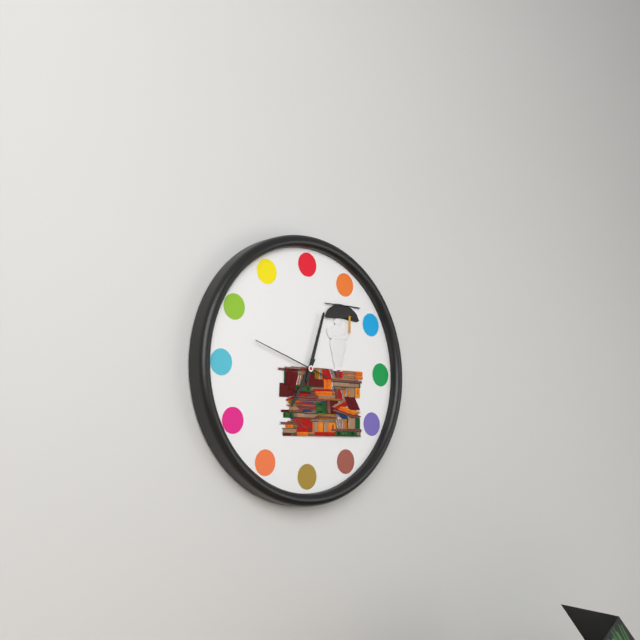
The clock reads 7.03.48
